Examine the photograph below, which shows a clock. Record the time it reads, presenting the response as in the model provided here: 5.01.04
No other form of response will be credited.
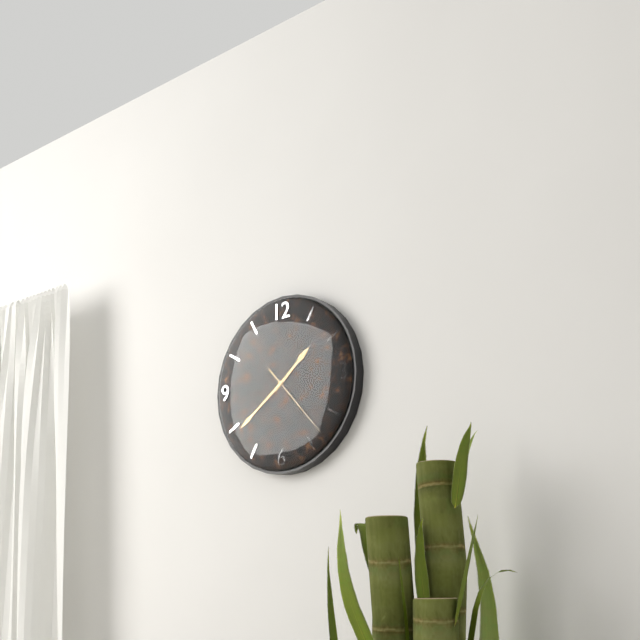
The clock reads 1.39.23
